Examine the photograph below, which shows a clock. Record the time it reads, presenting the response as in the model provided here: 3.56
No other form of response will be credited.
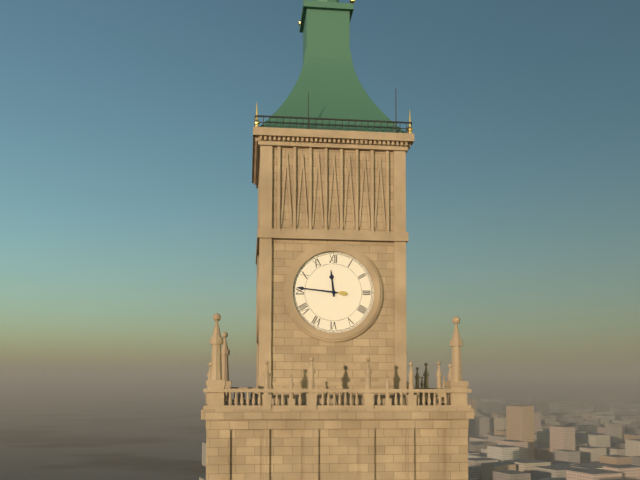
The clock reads 11.46
